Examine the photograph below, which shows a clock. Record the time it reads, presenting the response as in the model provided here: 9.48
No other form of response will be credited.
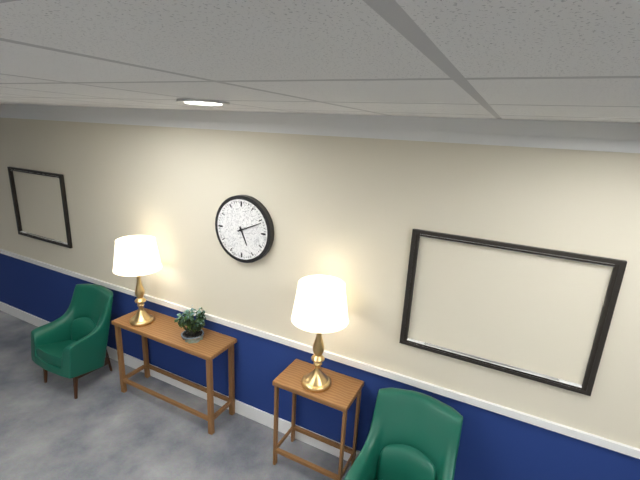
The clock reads 5.11
